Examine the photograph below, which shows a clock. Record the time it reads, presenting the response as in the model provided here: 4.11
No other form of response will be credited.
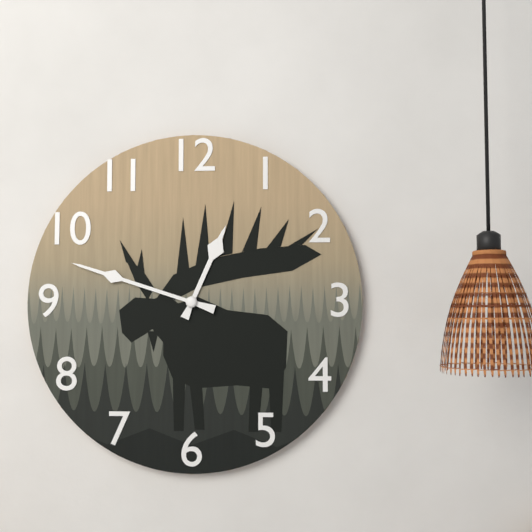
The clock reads 12.48
